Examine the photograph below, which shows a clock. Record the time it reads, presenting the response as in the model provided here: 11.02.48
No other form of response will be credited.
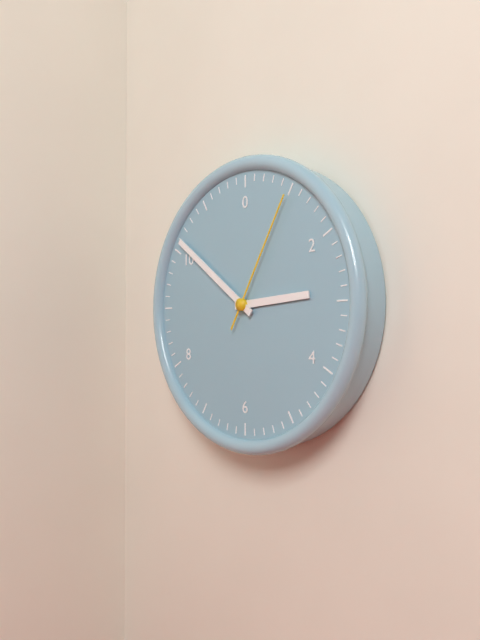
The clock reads 2.51.05
